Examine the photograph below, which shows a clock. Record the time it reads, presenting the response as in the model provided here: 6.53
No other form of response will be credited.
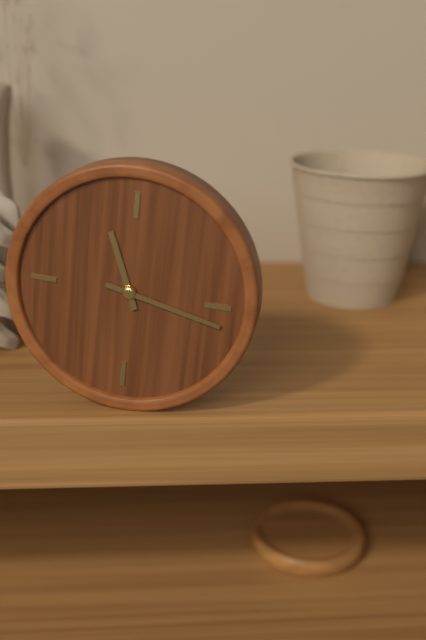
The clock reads 11.17
